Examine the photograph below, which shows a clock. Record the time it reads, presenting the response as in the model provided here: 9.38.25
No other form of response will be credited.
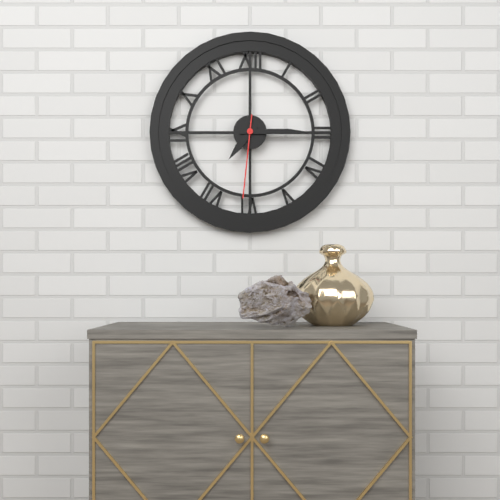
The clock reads 7.15.31
